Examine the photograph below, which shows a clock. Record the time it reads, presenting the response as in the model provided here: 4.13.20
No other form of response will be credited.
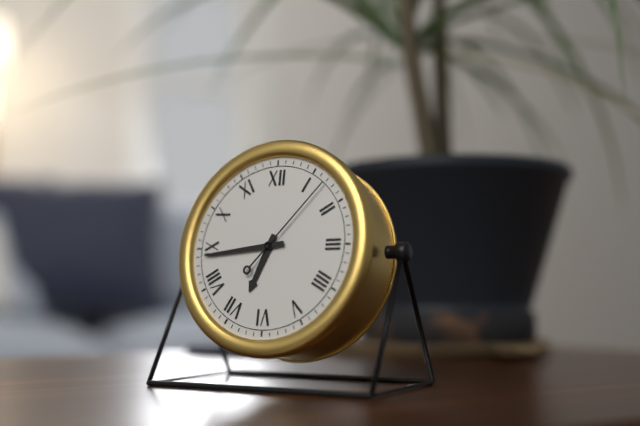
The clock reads 6.44.07
